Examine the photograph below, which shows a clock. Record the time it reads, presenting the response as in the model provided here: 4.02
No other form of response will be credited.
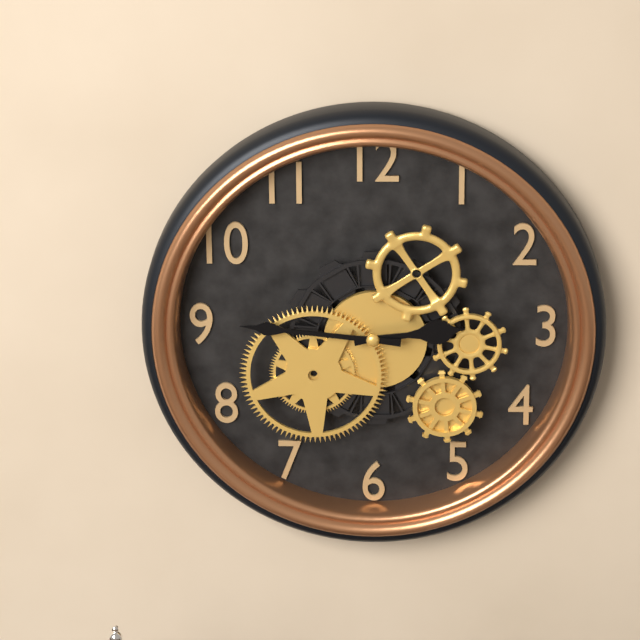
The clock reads 2.46
